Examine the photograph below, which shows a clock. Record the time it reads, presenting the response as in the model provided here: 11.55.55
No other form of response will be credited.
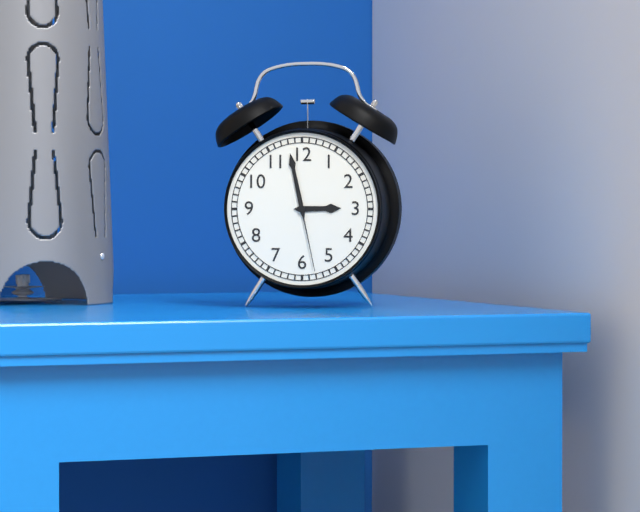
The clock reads 2.58.28
